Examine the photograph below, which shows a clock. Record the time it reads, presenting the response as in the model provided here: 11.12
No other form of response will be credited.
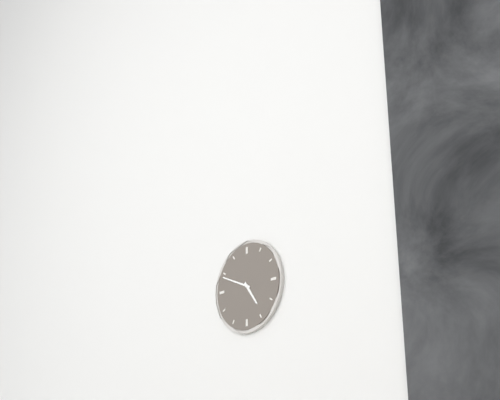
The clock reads 4.49
